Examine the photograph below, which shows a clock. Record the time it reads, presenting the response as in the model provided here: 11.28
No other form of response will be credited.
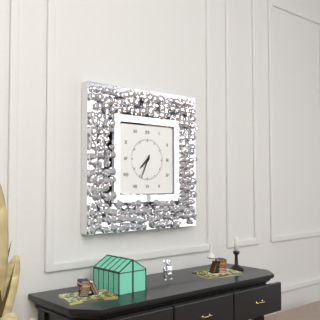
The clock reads 7.34
